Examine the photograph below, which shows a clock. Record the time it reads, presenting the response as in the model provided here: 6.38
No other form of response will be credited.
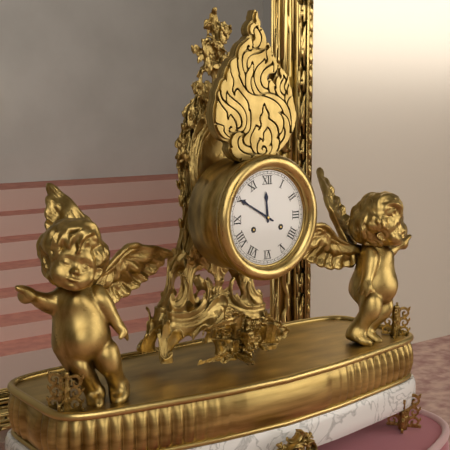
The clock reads 11.50
